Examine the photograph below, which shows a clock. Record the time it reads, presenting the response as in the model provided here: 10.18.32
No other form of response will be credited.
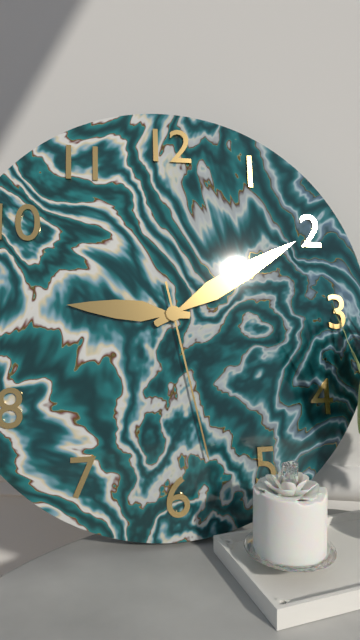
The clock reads 9.10.28
